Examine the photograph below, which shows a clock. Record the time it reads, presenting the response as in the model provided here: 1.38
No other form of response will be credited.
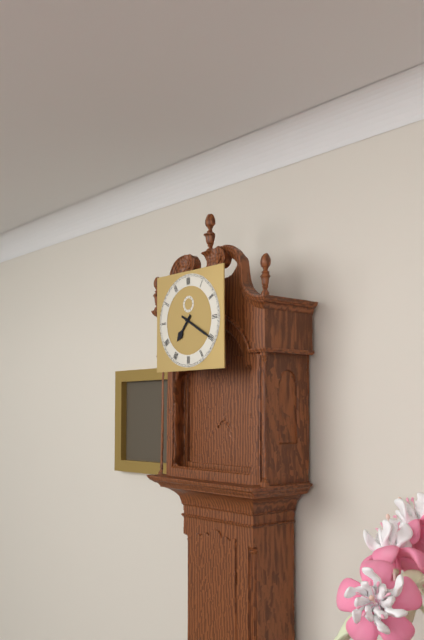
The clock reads 7.20
